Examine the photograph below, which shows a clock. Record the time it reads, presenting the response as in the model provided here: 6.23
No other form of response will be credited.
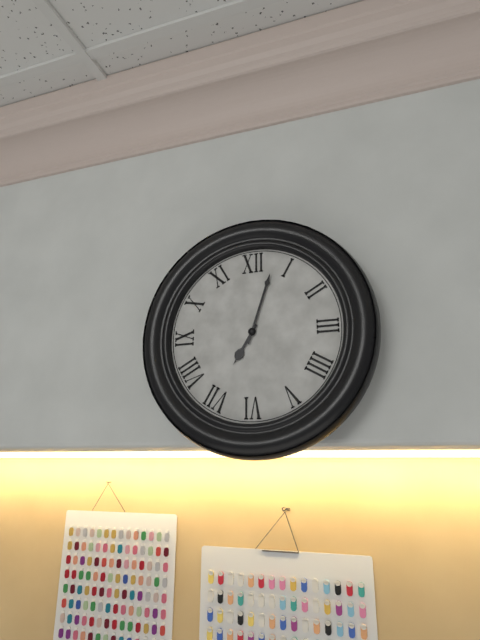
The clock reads 7.03
